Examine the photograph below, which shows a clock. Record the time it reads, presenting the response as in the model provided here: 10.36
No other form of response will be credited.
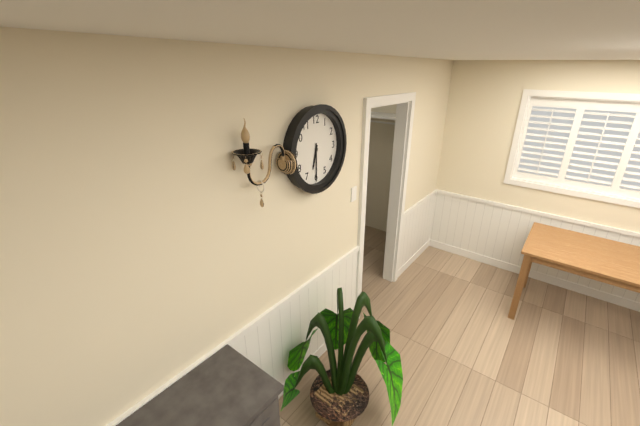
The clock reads 6.30
